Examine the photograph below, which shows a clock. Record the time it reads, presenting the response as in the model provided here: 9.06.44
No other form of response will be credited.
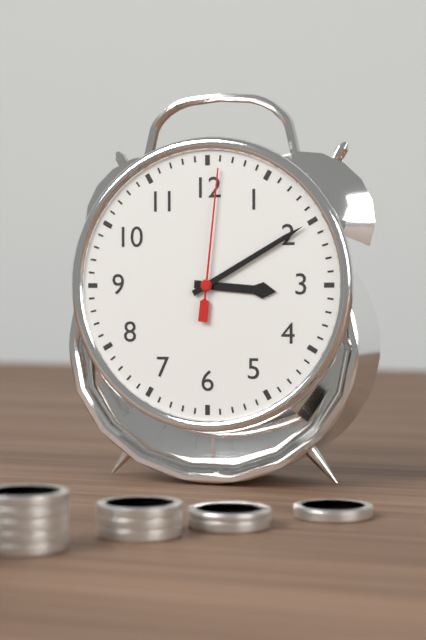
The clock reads 3.10.01
